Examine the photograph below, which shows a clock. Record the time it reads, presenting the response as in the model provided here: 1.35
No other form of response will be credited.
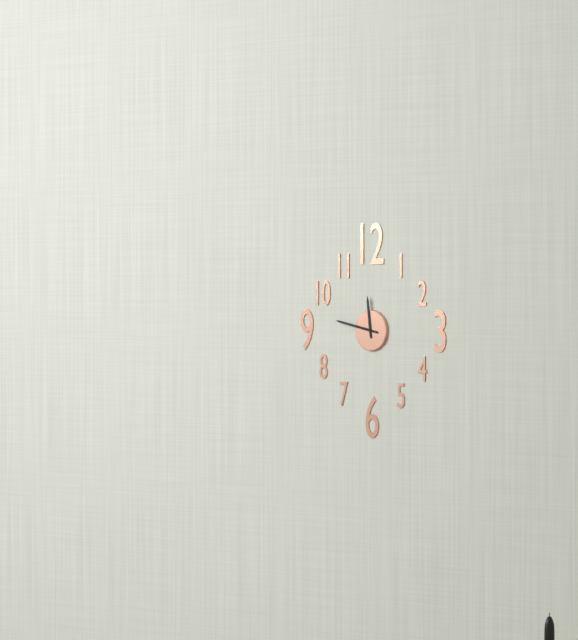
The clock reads 11.47
